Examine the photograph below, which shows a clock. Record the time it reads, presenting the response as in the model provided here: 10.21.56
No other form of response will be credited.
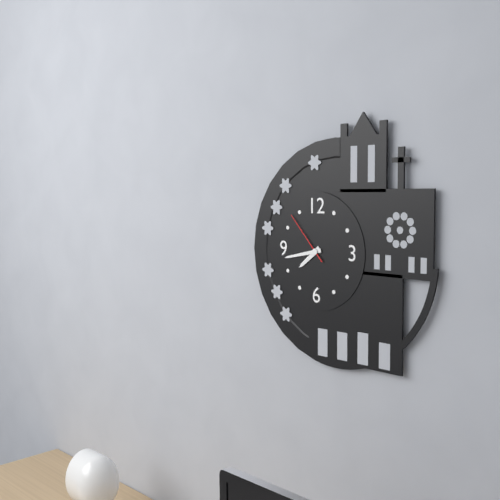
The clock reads 7.43.53
